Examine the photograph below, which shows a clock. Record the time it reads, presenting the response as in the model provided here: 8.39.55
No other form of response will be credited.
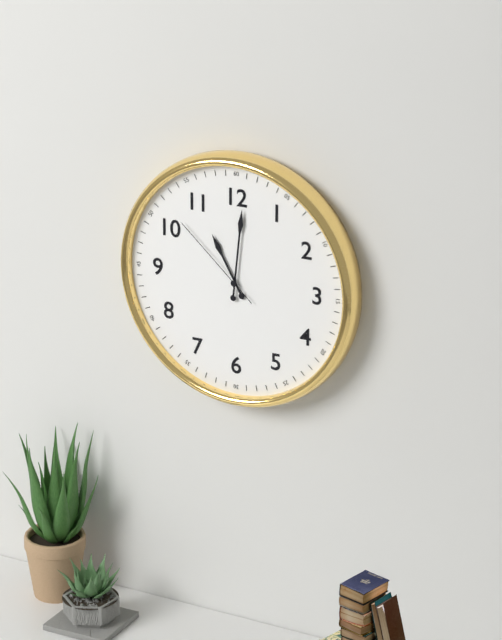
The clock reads 11.01.52
